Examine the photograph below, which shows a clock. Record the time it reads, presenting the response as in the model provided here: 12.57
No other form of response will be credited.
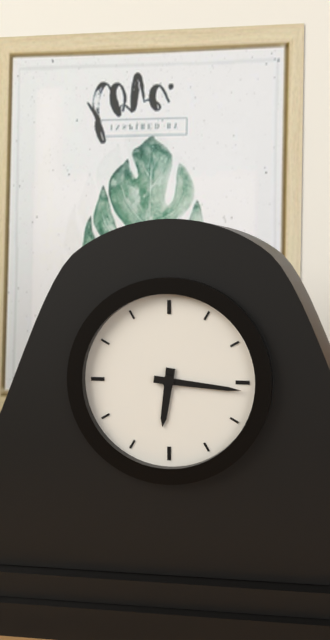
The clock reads 6.16
